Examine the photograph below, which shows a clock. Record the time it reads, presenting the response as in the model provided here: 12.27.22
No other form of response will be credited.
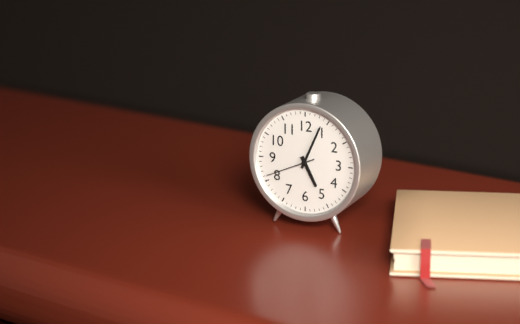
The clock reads 5.04.41
